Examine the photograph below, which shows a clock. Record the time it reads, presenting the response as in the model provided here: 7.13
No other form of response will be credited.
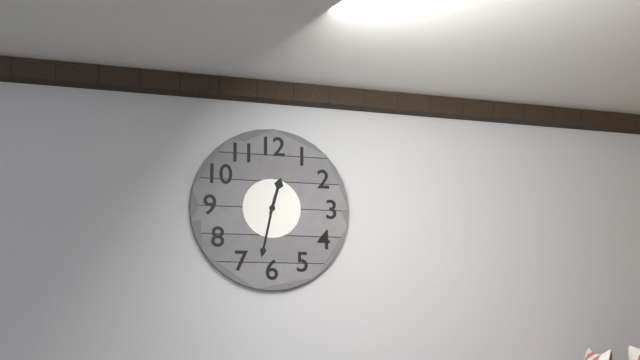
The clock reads 12.32
